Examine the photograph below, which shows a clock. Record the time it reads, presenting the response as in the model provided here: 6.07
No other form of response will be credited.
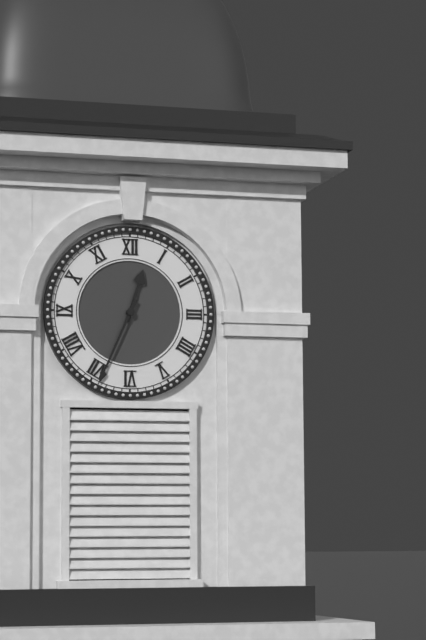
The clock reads 12.34
